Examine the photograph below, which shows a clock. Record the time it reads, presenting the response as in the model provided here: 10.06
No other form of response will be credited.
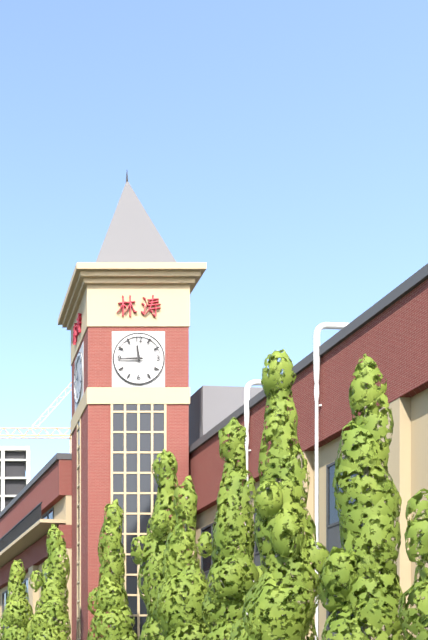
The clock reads 11.45
